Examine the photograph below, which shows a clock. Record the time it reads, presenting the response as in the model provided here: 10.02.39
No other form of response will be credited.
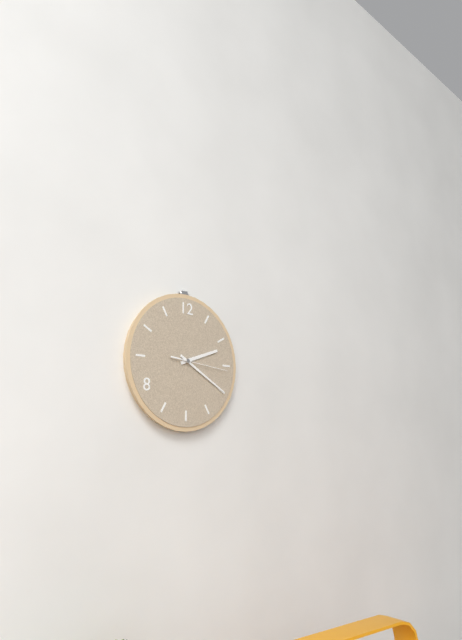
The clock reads 2.20.16
